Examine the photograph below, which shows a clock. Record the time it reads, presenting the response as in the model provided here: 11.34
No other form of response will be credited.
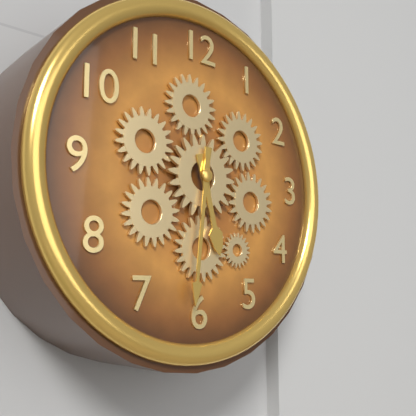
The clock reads 5.31
